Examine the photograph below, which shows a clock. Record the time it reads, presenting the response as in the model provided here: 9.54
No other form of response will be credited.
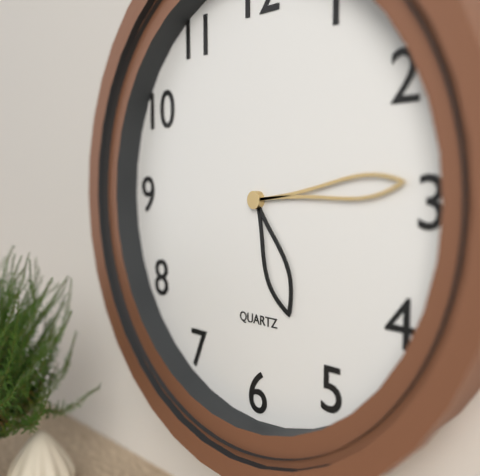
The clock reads 5.14
